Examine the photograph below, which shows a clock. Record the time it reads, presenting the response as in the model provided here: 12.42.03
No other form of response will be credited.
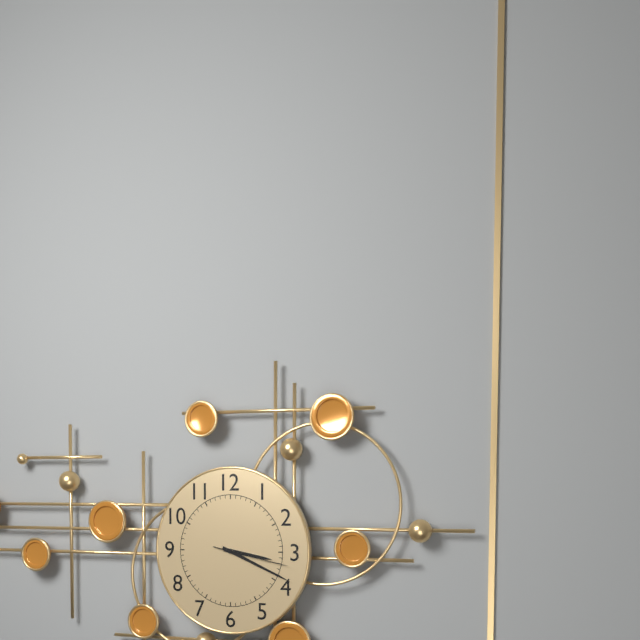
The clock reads 3.19.17
